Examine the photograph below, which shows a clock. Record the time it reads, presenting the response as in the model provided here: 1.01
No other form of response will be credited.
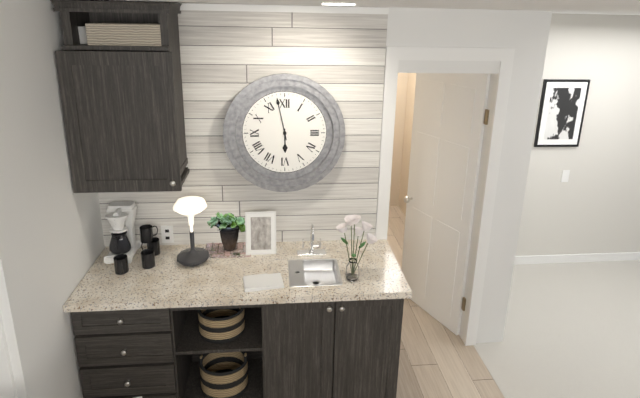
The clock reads 5.58
